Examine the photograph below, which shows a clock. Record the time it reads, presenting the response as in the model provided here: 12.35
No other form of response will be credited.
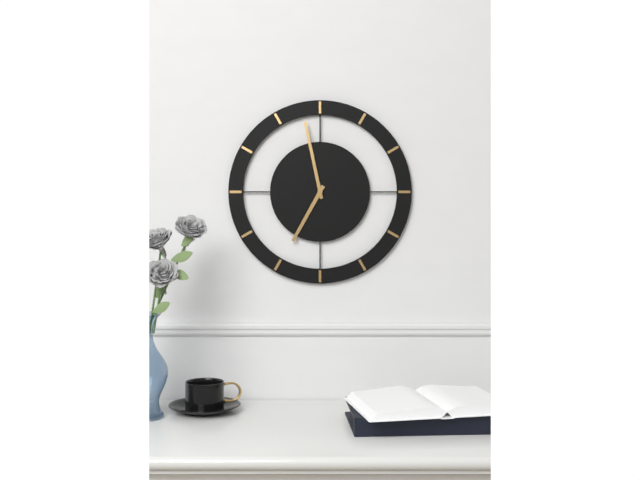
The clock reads 6.58
